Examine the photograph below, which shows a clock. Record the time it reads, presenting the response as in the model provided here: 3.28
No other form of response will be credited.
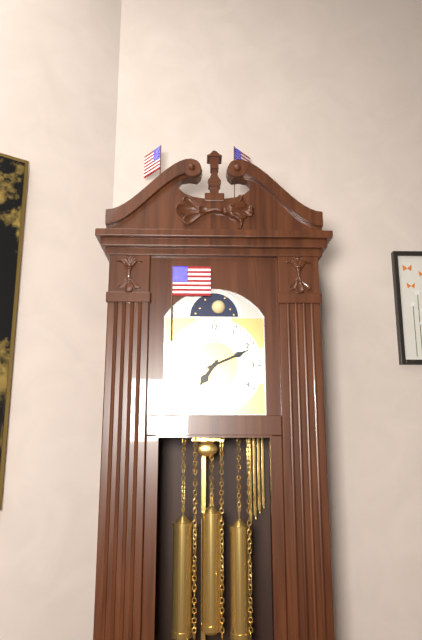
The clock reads 7.11
